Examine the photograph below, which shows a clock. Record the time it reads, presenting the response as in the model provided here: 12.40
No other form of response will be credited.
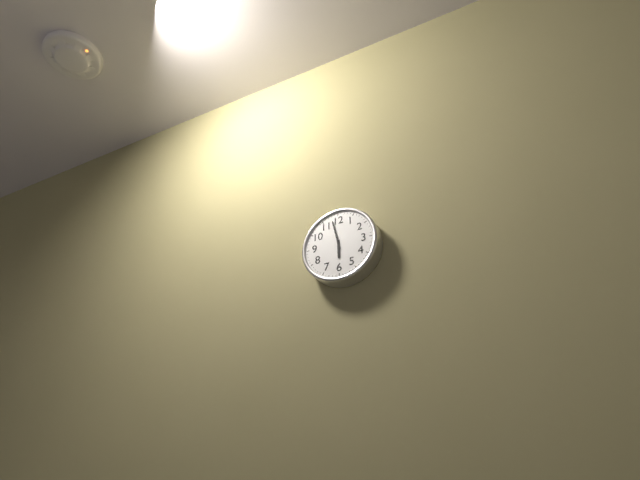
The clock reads 5.58
